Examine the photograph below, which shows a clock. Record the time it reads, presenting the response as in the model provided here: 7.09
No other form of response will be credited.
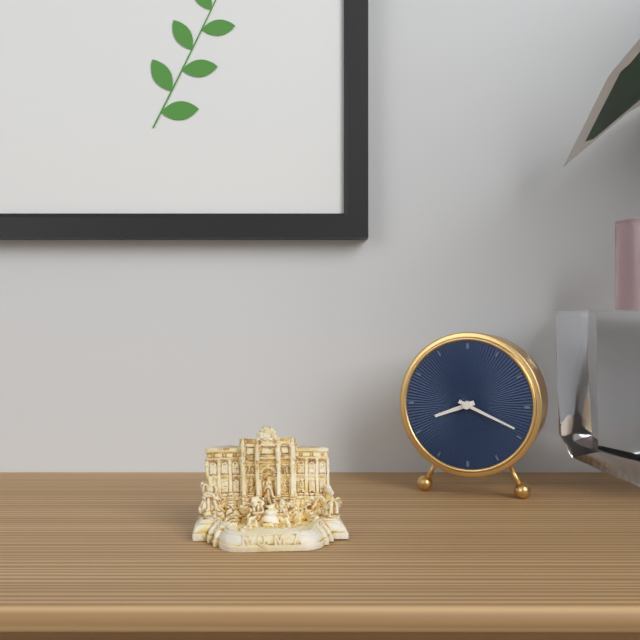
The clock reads 8.19
